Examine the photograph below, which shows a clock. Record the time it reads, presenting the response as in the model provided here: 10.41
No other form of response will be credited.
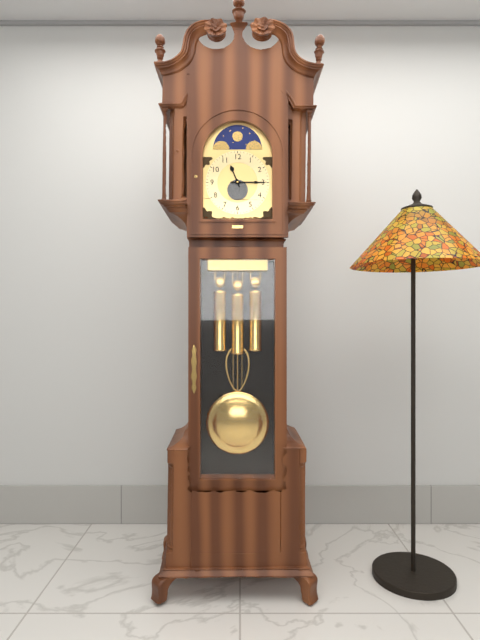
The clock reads 11.15
